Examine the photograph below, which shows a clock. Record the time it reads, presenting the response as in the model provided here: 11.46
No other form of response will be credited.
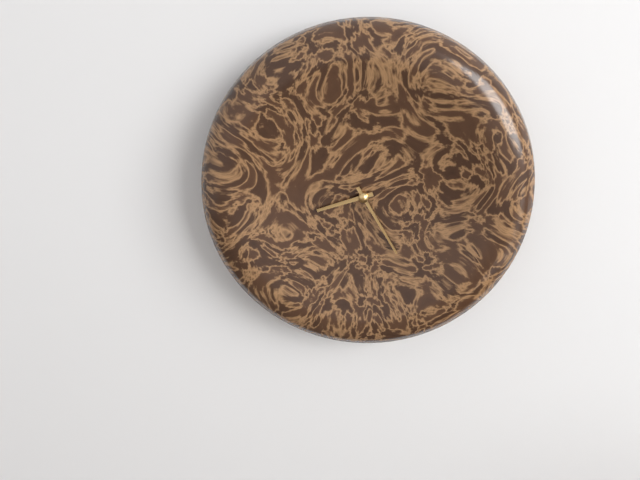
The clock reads 8.25
